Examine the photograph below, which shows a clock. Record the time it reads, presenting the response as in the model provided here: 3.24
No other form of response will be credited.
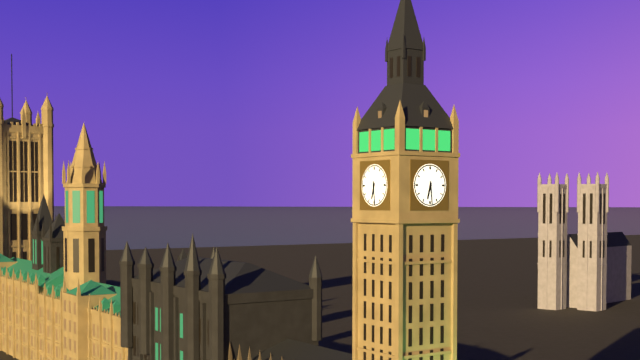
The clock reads 6.29
